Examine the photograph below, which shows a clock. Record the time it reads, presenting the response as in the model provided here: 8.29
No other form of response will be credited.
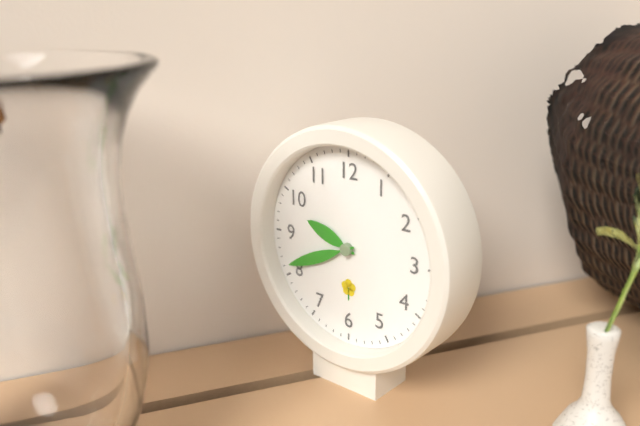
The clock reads 9.41
